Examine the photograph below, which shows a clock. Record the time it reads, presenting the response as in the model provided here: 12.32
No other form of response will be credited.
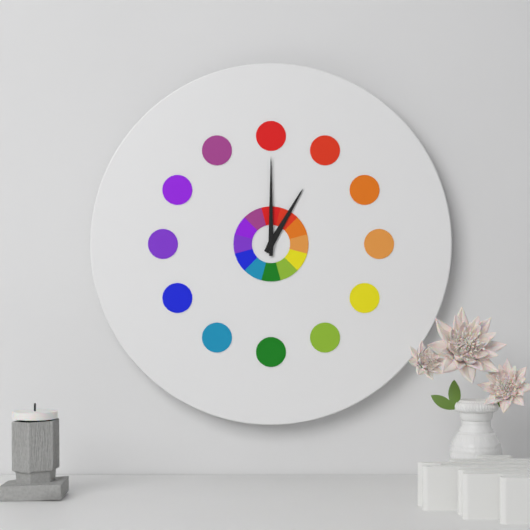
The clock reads 1.00
